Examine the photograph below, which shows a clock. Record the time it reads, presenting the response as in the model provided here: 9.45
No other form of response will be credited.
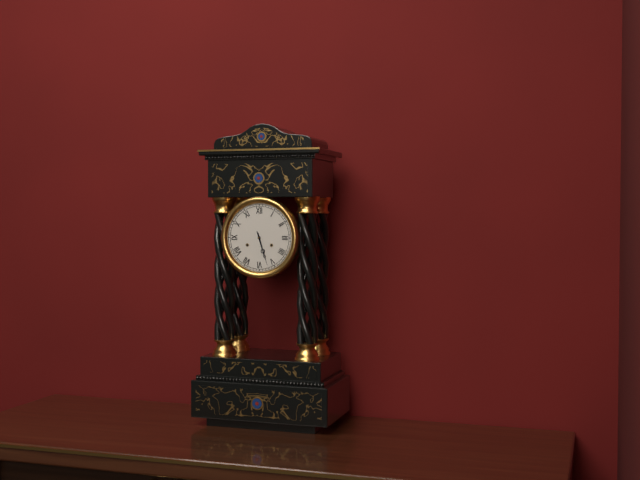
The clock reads 5.27
